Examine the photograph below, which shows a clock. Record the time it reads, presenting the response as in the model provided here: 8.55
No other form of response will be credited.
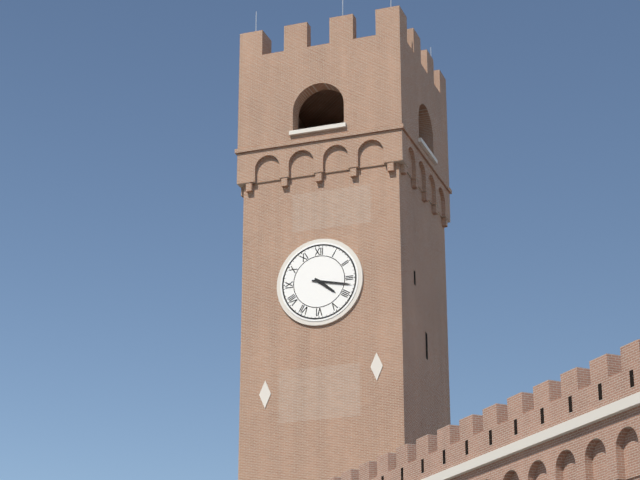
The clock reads 4.17
